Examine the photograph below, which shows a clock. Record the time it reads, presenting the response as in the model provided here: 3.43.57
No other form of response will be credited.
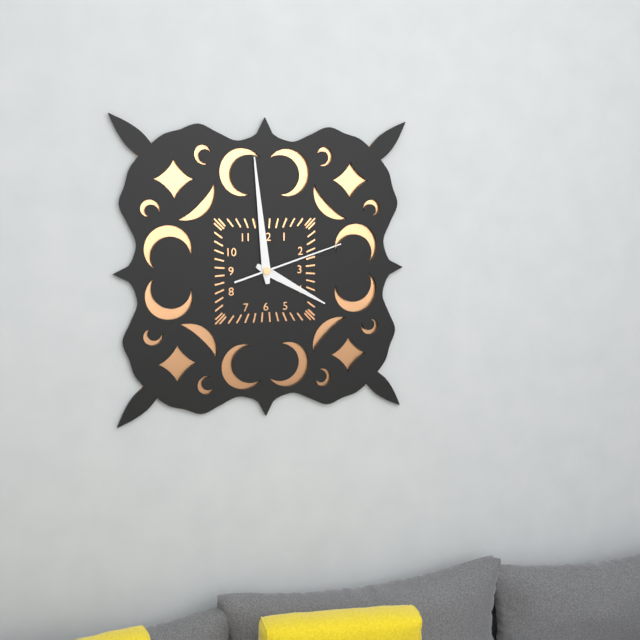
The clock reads 3.59.12
